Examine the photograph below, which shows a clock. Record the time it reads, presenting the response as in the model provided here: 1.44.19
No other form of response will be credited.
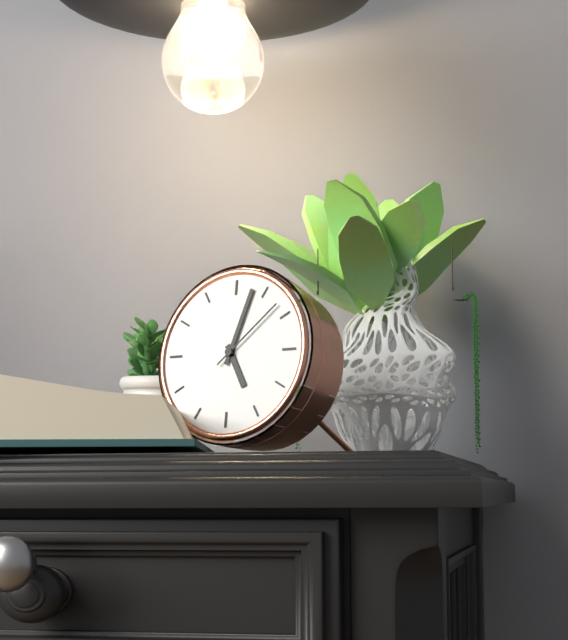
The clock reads 5.03.08
